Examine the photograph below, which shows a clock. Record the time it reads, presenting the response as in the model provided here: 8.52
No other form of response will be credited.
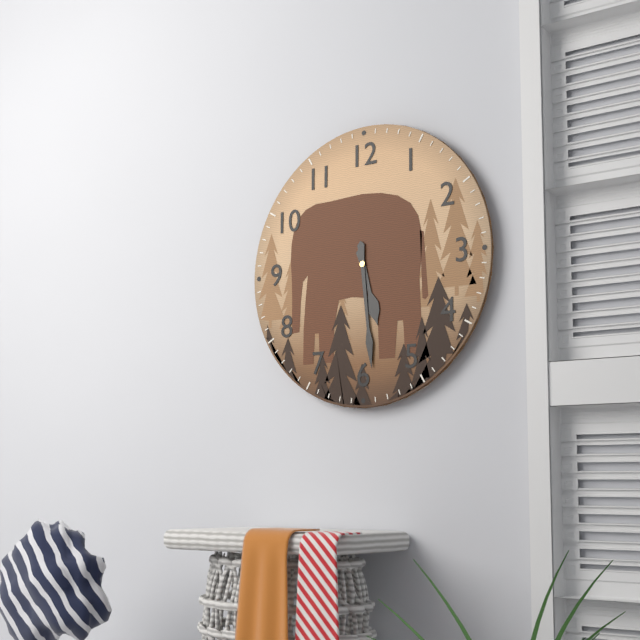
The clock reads 5.29
